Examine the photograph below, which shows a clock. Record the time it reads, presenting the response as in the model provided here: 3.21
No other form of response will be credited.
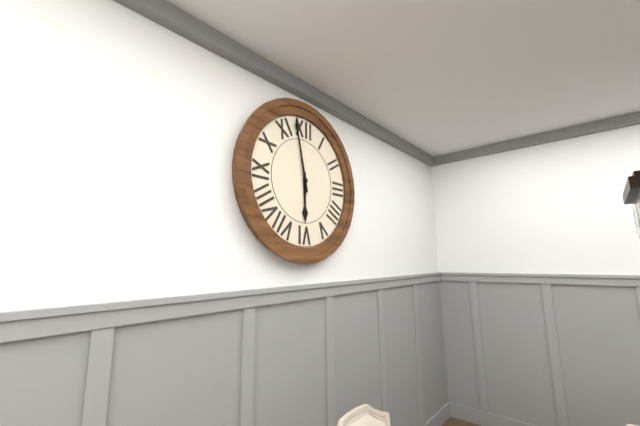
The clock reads 5.58
